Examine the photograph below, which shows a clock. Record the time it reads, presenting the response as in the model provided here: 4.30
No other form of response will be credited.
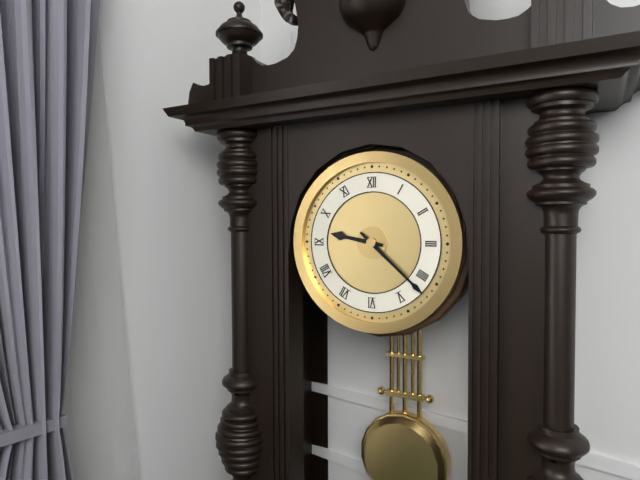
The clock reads 9.22
